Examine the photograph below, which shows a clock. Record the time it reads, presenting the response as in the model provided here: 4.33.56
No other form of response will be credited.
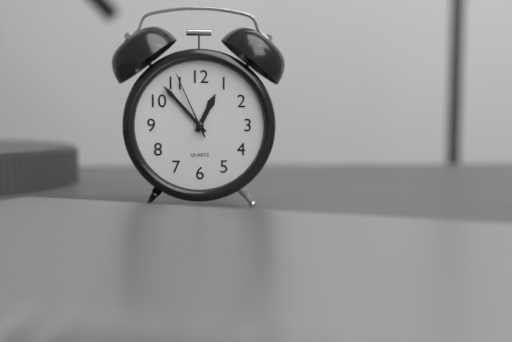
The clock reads 12.53.56
